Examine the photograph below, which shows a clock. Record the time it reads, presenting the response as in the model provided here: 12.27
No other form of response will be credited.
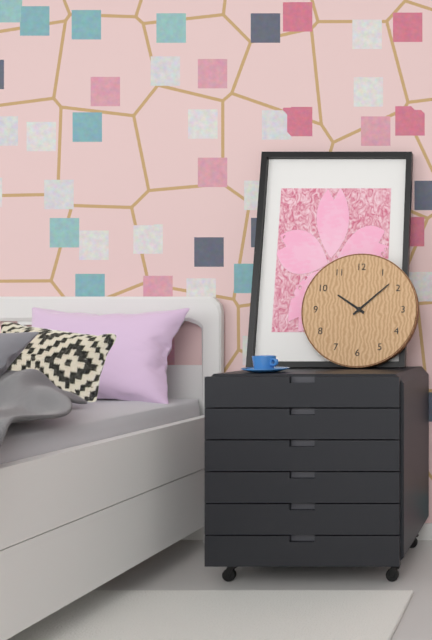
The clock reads 10.08
